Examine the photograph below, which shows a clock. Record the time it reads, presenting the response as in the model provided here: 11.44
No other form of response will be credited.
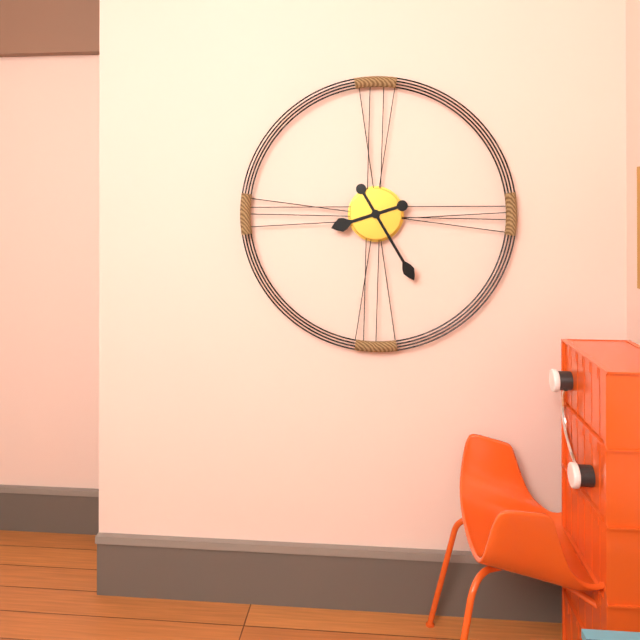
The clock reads 8.25
